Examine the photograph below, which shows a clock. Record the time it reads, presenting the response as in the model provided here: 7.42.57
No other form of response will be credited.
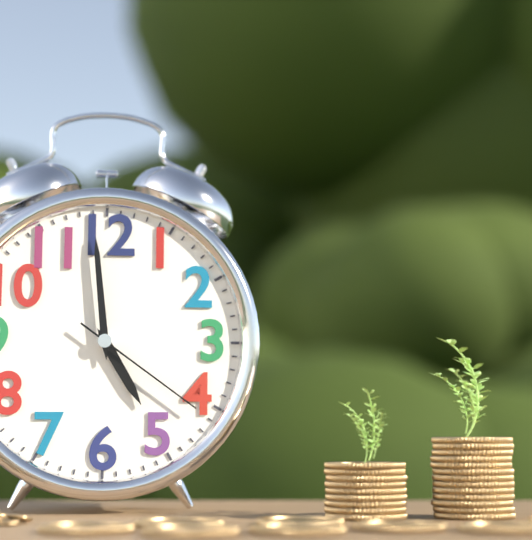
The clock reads 4.59.21
